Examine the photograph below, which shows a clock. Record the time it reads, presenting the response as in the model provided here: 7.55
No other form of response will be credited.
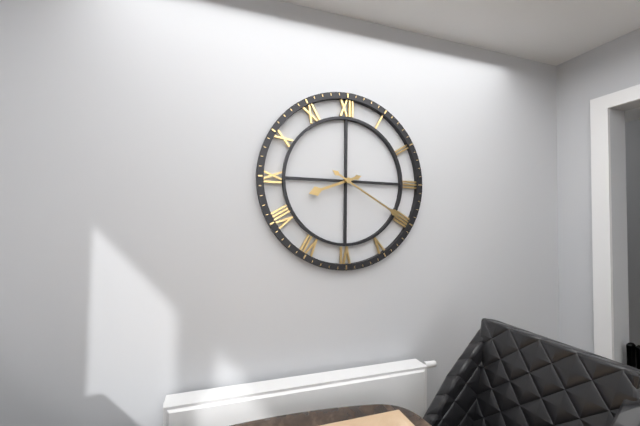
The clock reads 8.20
